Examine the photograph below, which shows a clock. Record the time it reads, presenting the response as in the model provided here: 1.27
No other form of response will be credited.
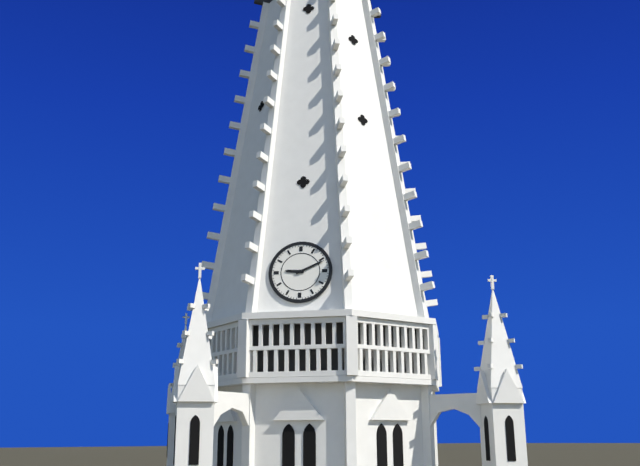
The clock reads 9.11
